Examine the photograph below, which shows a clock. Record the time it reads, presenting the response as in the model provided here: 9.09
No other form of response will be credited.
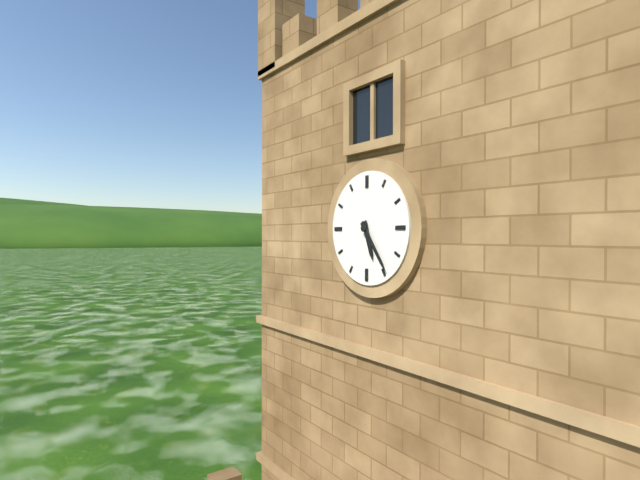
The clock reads 5.24
